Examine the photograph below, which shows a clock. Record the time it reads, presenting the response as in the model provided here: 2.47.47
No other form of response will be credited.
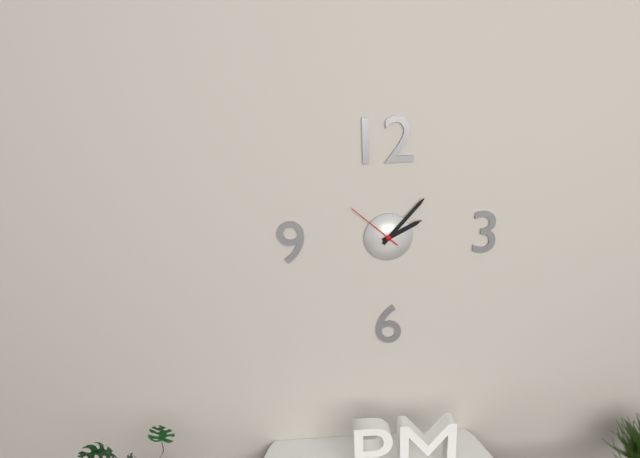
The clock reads 2.07.52
